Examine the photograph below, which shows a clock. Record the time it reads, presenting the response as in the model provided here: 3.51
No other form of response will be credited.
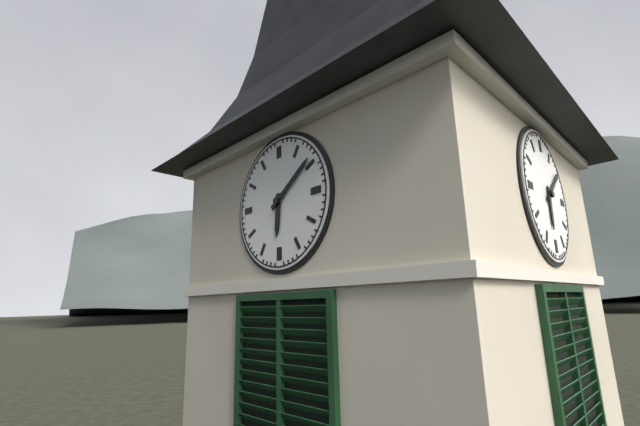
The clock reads 6.09
